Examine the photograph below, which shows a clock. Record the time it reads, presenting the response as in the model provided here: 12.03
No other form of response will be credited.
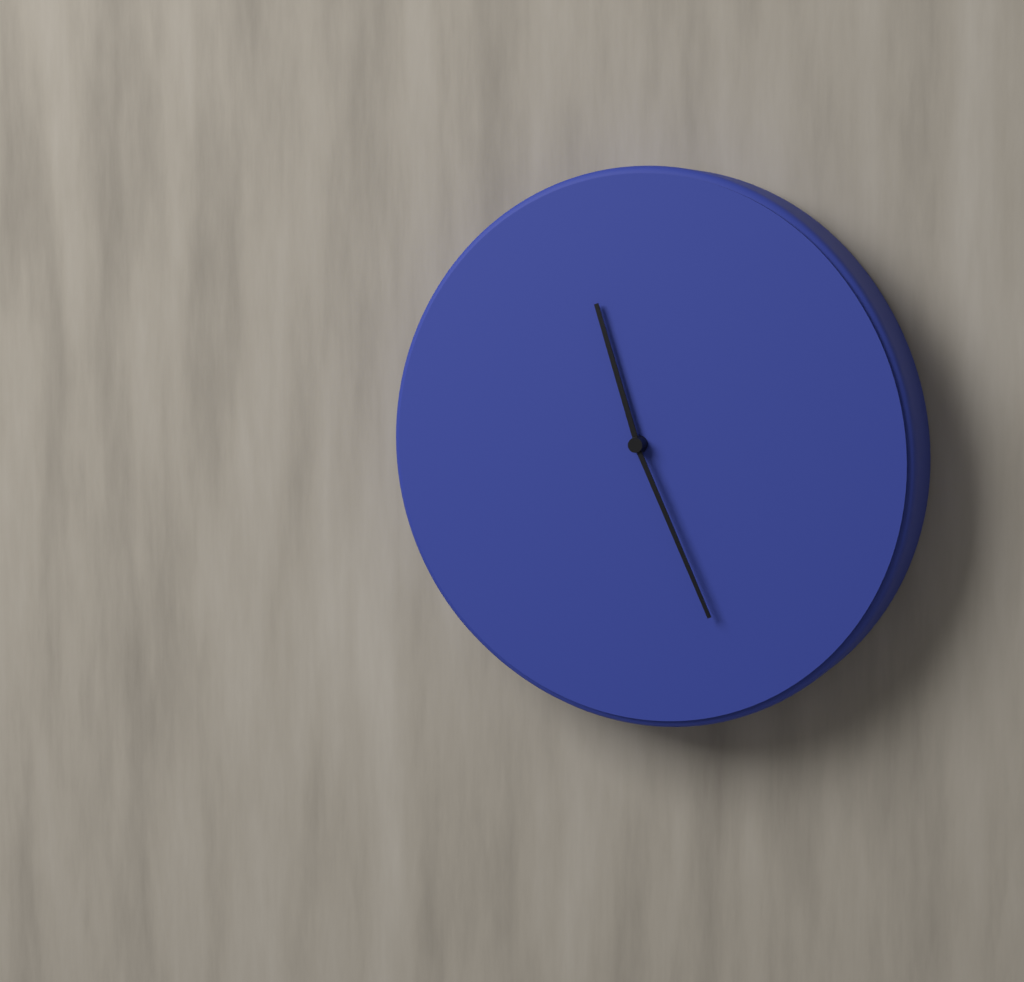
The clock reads 11.26
